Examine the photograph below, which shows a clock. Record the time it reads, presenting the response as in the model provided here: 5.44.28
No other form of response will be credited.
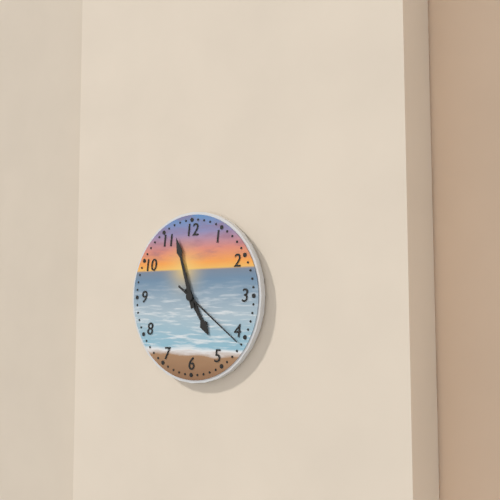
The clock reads 4.57.21
